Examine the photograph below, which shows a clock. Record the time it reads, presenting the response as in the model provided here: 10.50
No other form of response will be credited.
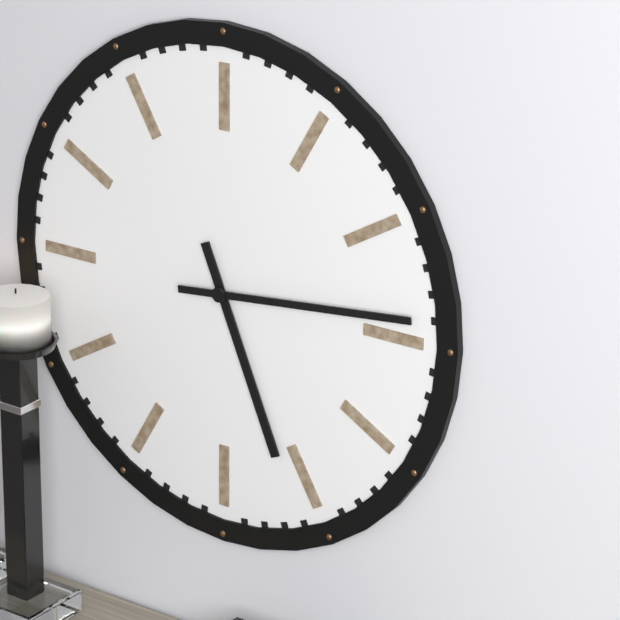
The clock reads 5.14
